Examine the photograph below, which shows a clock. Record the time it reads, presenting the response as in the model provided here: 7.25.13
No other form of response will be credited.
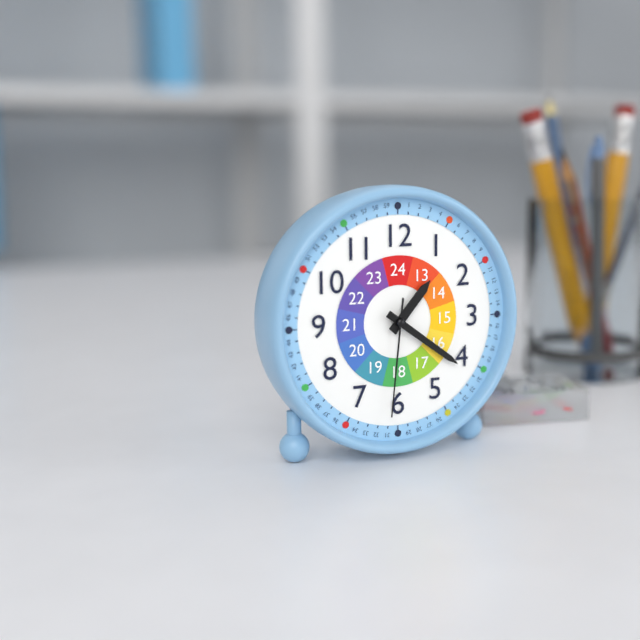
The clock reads 1.21.31
